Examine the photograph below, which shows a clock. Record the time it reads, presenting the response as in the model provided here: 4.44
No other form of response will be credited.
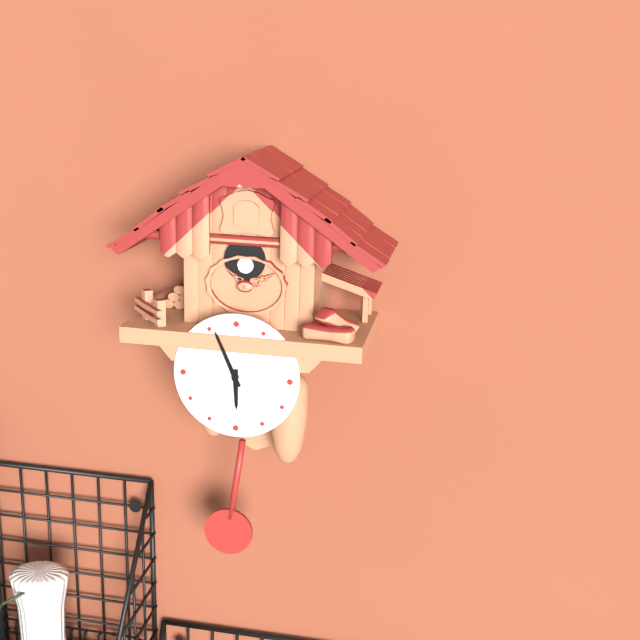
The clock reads 5.56
